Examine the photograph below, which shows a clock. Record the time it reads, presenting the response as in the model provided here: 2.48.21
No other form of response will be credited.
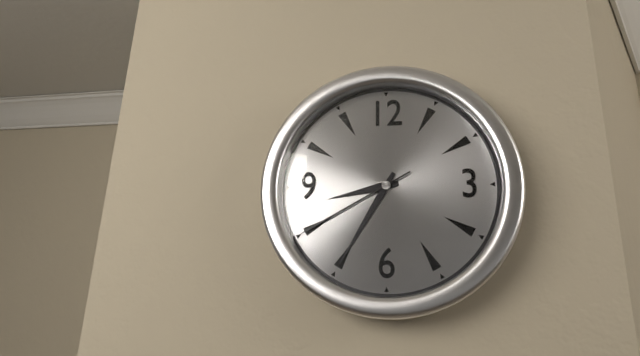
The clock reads 8.35.40
